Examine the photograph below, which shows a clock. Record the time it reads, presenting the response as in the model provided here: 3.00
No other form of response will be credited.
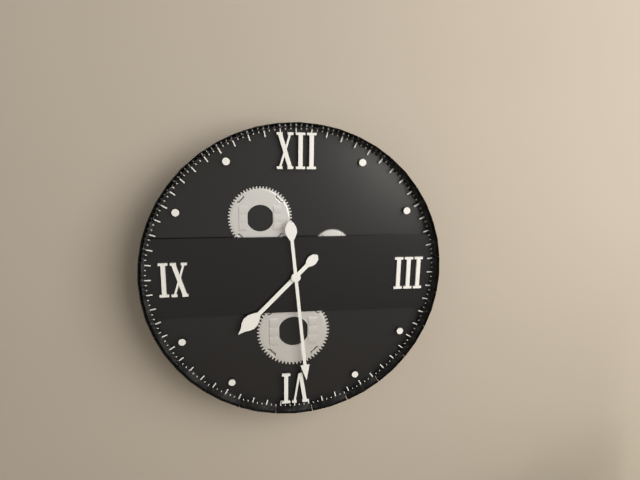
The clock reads 7.29
